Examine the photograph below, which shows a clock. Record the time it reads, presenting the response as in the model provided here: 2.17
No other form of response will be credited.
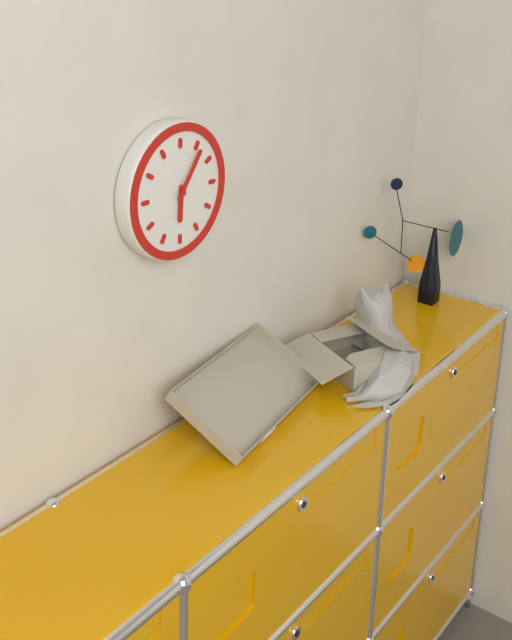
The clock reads 6.06
